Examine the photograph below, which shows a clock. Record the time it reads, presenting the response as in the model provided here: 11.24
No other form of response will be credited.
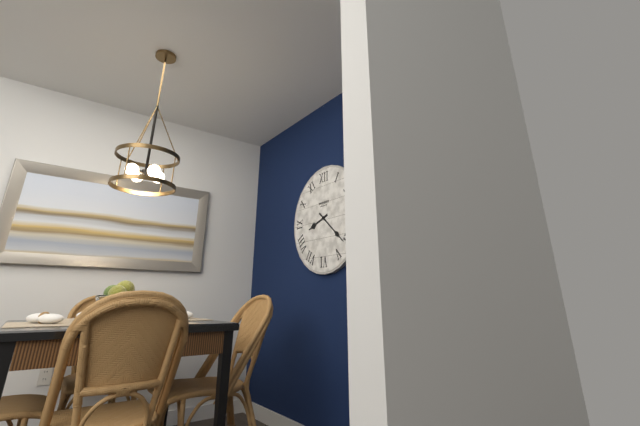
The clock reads 8.22
